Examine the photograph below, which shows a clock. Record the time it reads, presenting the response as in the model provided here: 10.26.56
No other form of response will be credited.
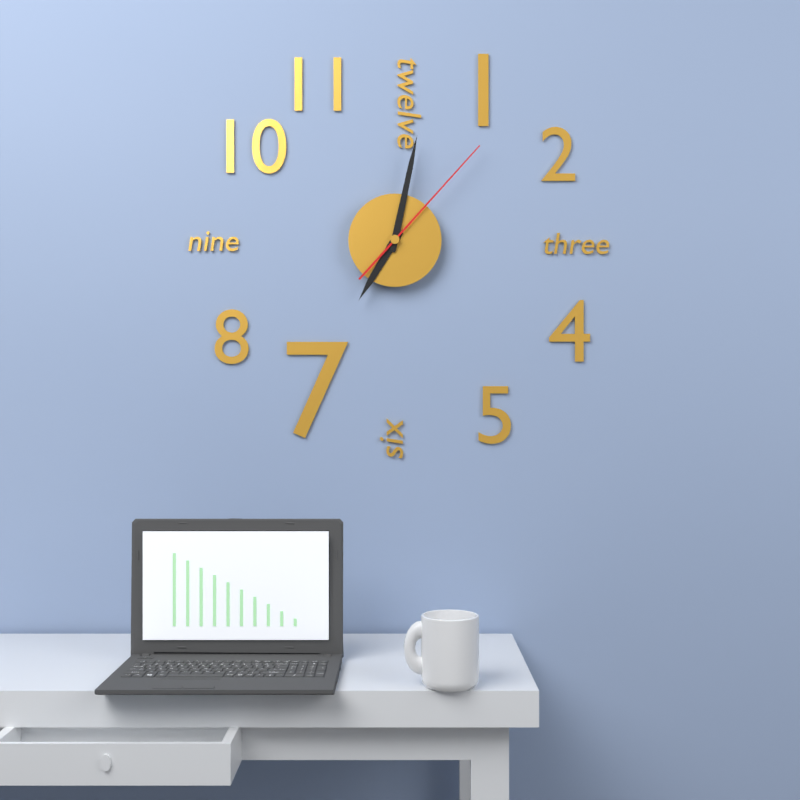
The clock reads 7.02.07
